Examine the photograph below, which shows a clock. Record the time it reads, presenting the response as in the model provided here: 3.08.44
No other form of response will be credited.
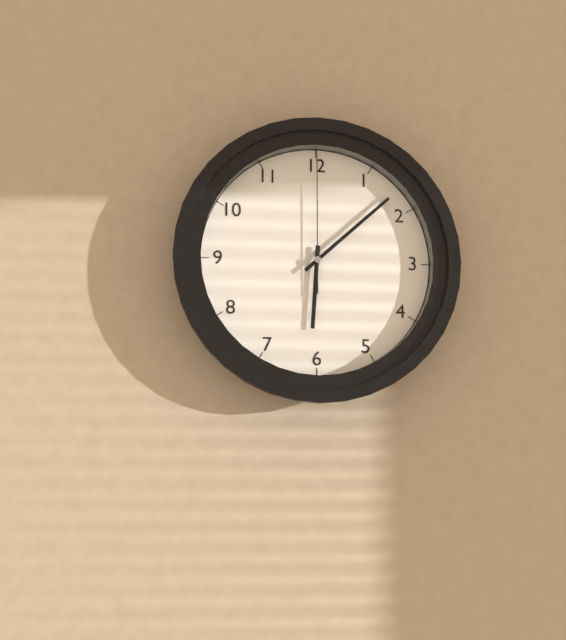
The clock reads 6.08.00
